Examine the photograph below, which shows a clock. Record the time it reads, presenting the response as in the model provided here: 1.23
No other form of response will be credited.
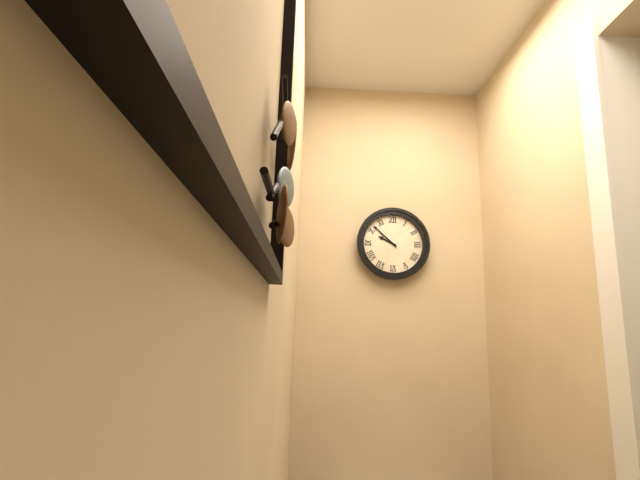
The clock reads 9.52
